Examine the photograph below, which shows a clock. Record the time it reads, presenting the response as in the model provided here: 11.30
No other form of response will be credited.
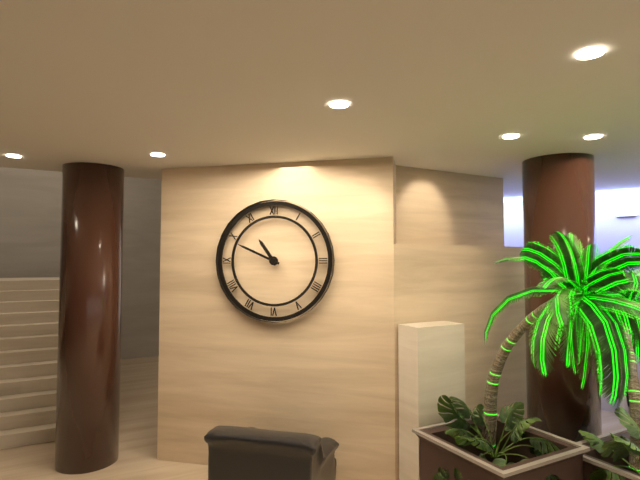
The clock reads 10.49
